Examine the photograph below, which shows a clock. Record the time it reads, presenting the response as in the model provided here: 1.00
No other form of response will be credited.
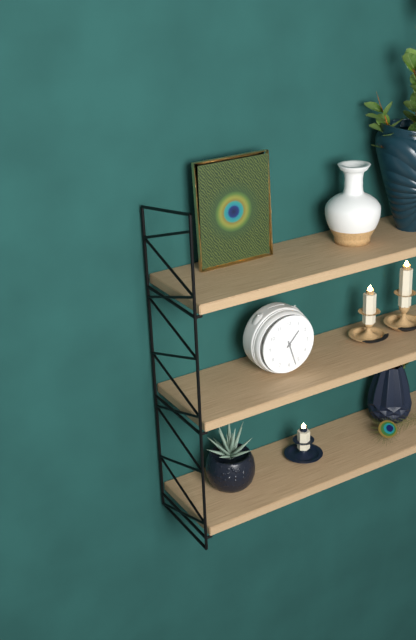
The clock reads 1.27
